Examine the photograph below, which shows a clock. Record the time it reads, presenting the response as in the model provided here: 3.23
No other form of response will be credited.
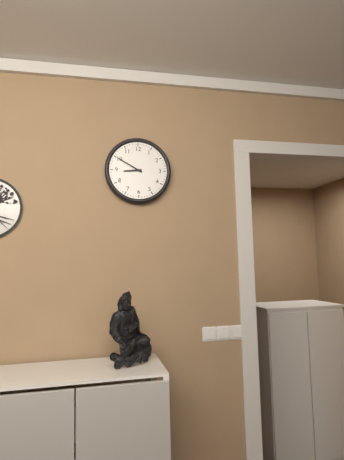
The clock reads 8.50
